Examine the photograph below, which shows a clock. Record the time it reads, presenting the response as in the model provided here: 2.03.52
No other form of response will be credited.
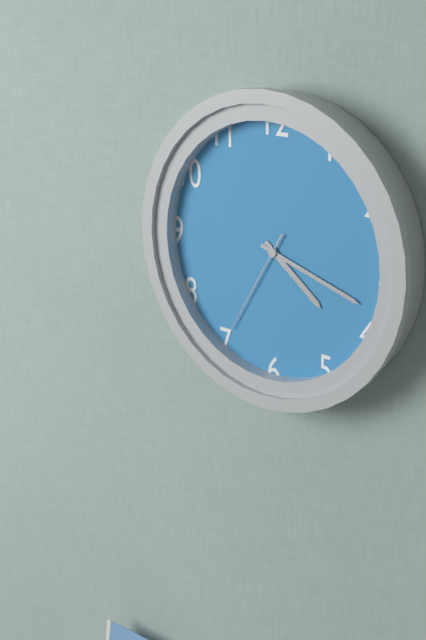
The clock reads 4.18.35
